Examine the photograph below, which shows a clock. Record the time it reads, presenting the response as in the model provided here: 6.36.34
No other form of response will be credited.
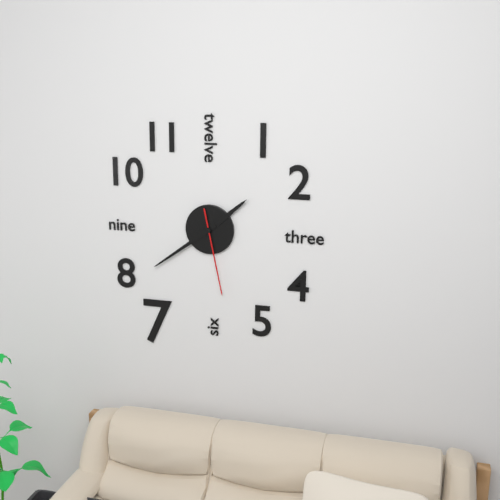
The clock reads 1.39.28
